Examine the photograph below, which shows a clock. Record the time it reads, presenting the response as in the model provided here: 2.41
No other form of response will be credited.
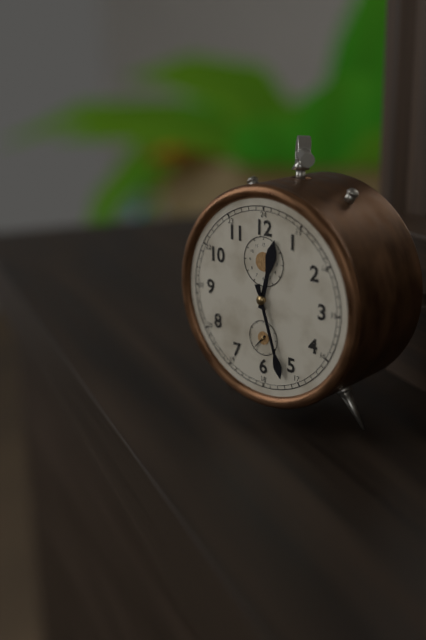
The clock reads 12.27
